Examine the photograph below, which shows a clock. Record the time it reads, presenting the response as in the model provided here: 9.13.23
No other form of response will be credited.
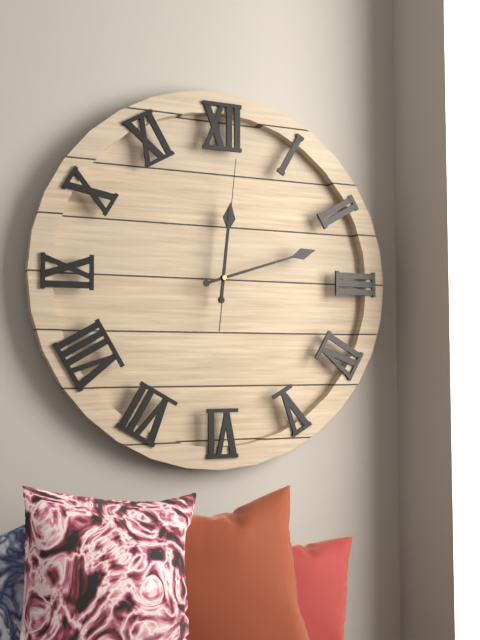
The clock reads 12.12.01
